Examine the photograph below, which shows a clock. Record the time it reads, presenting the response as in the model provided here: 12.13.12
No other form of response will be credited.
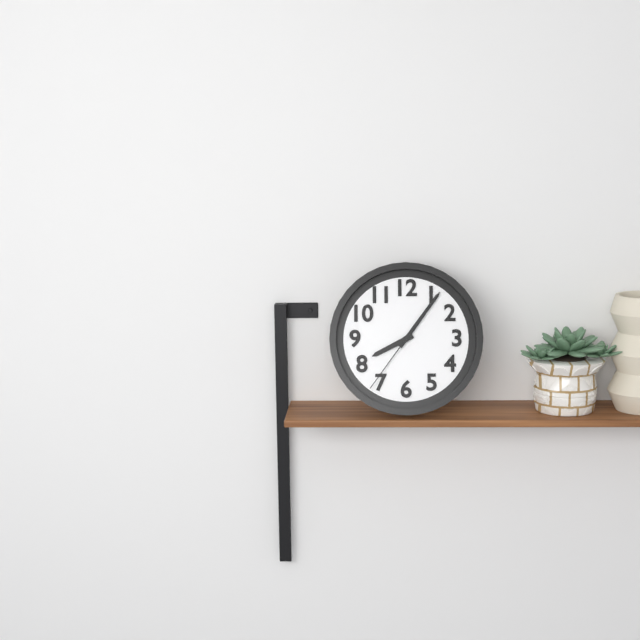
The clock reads 8.06.36
